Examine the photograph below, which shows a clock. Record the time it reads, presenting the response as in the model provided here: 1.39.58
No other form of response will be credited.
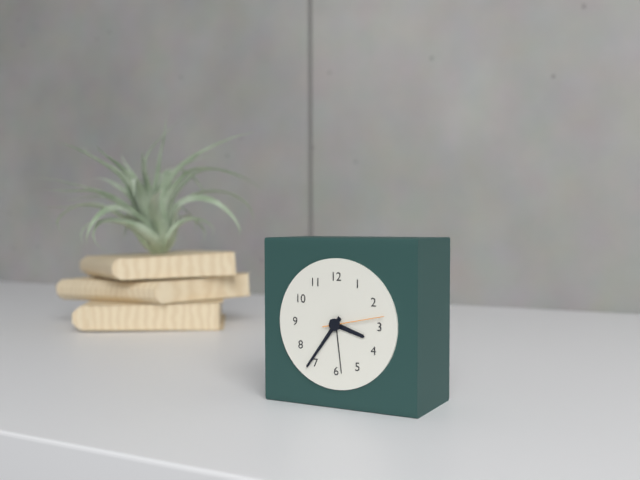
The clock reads 3.36.13
